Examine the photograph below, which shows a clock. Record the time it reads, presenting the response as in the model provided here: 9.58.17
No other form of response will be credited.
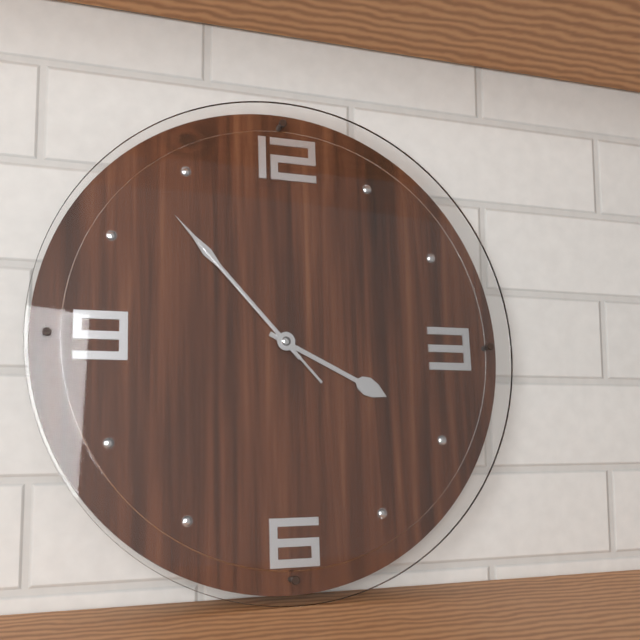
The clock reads 3.53.53
